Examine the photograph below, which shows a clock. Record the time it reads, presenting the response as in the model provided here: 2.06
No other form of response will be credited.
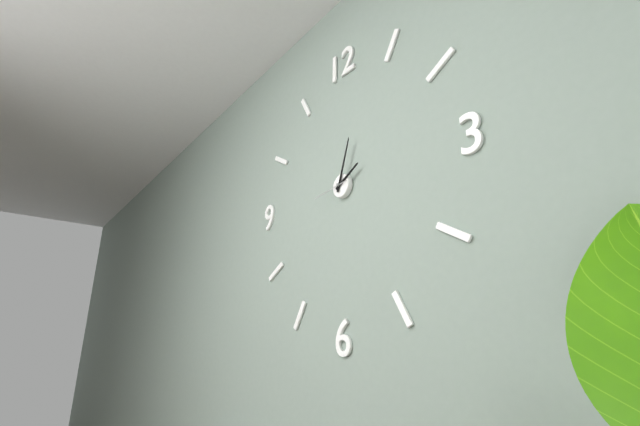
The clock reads 2.03
